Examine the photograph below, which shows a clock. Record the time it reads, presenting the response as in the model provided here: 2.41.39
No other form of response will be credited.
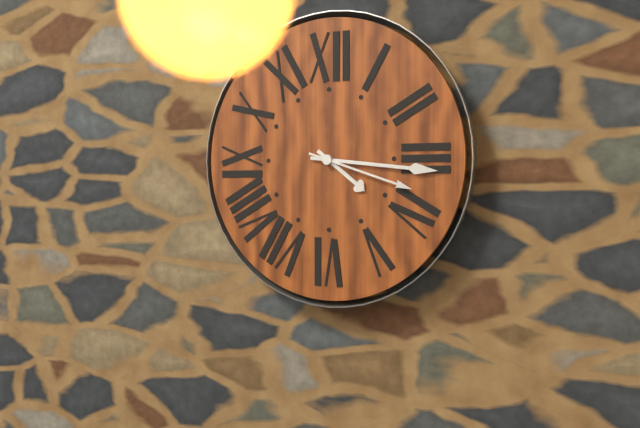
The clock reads 4.16.18
